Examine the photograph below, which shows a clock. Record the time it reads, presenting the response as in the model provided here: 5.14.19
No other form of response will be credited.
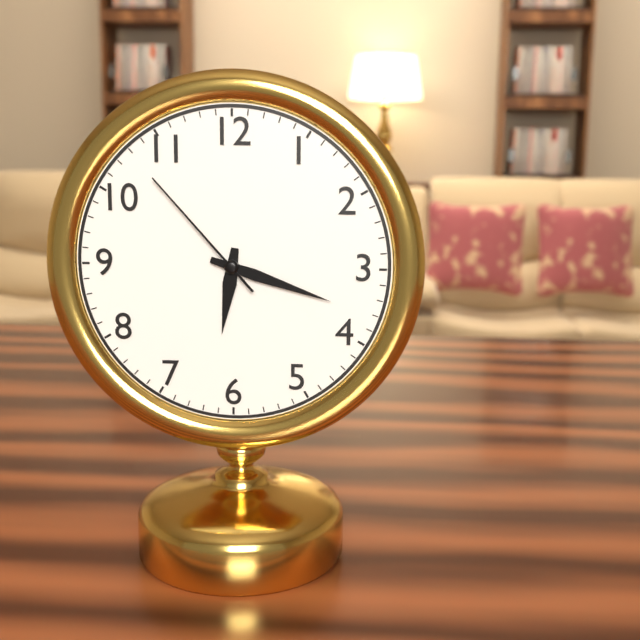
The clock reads 6.18.53
